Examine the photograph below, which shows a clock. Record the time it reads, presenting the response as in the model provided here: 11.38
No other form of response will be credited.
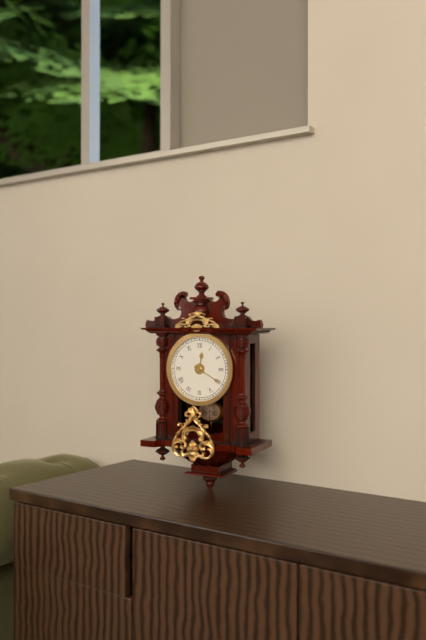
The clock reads 12.20
